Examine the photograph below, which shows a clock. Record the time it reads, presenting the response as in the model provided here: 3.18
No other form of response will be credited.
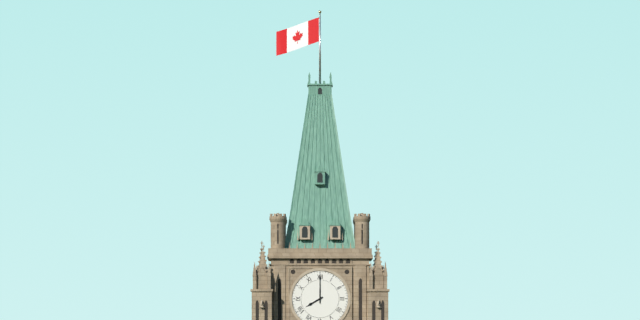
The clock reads 8.00
